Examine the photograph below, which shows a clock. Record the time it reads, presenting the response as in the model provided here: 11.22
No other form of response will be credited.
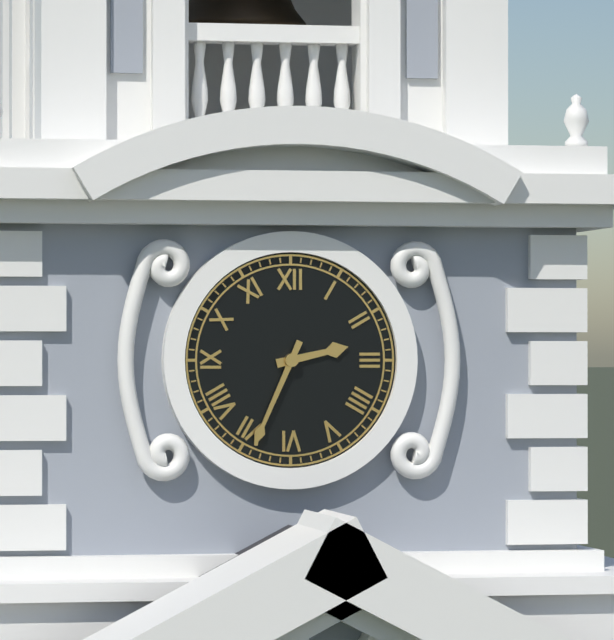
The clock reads 2.34
